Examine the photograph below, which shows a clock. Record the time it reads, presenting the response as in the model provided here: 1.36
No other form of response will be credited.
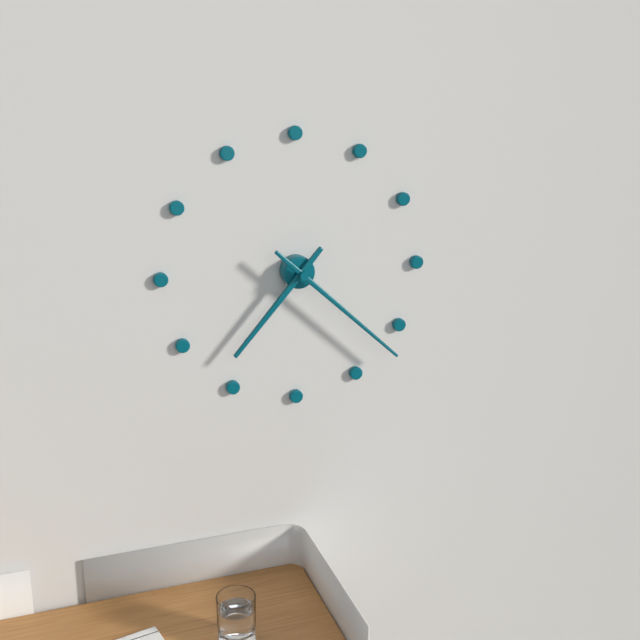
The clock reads 7.22
